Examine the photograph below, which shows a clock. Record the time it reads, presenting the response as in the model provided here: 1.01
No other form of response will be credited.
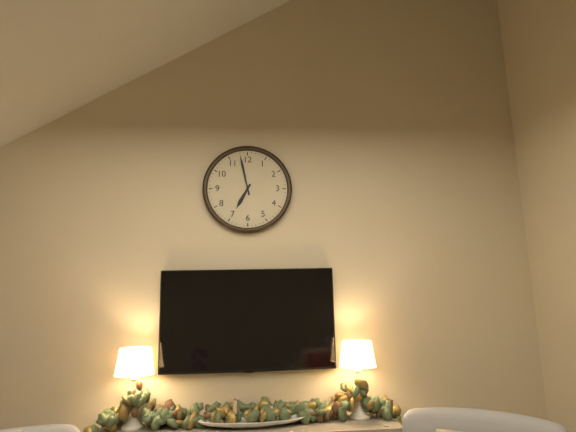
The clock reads 6.58
